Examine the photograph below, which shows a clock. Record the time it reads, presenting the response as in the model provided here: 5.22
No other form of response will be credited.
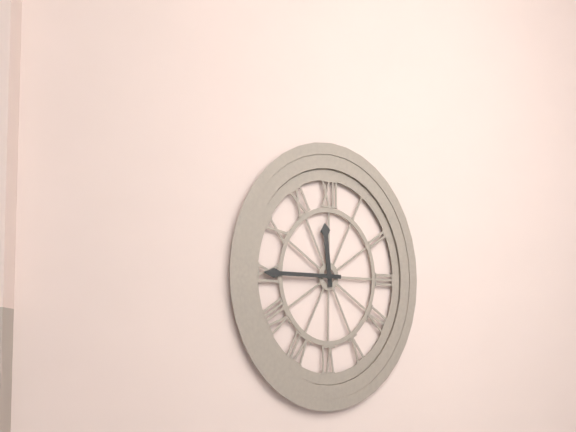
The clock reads 11.45
